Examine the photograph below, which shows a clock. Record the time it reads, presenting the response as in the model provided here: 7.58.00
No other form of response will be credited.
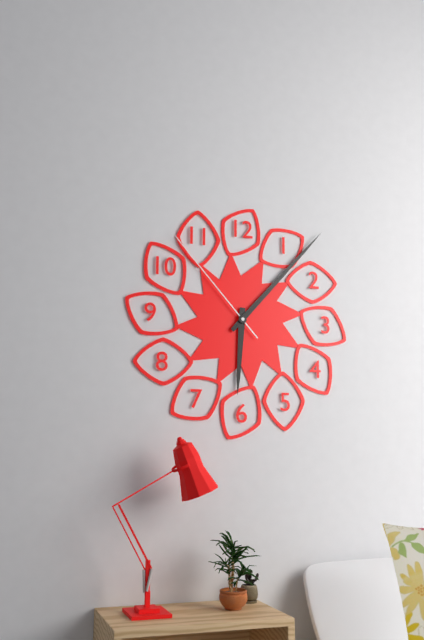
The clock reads 6.07.53
